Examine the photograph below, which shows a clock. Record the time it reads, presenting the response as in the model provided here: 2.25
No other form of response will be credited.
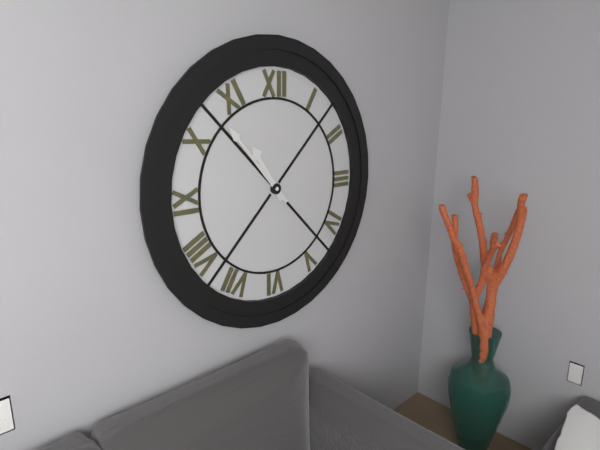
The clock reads 10.53
